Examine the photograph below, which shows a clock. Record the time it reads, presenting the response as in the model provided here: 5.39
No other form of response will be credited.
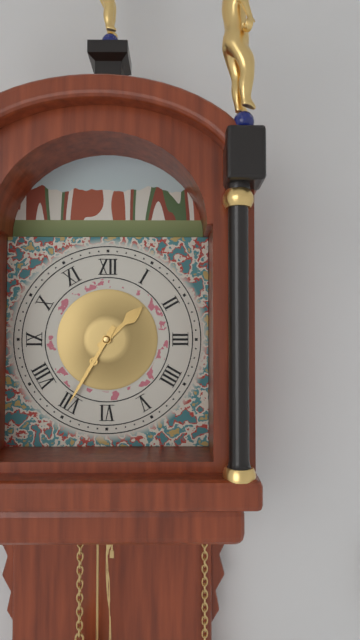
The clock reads 1.35
